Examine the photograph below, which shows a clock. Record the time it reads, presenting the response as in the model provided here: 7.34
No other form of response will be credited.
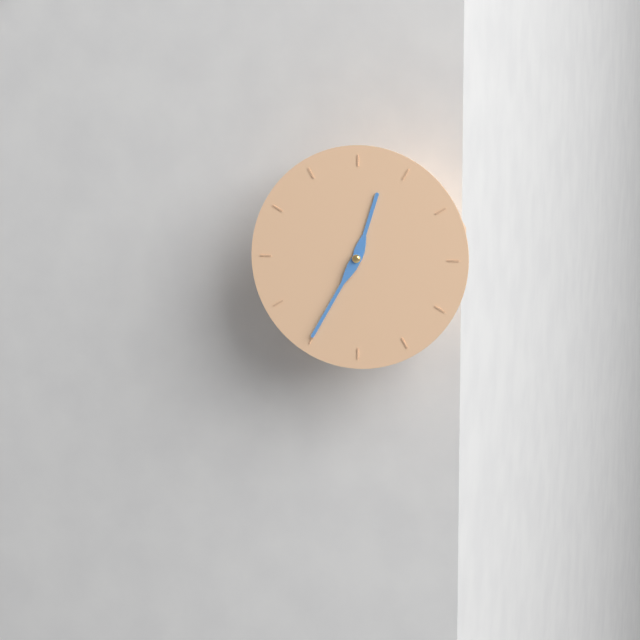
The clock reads 12.35
